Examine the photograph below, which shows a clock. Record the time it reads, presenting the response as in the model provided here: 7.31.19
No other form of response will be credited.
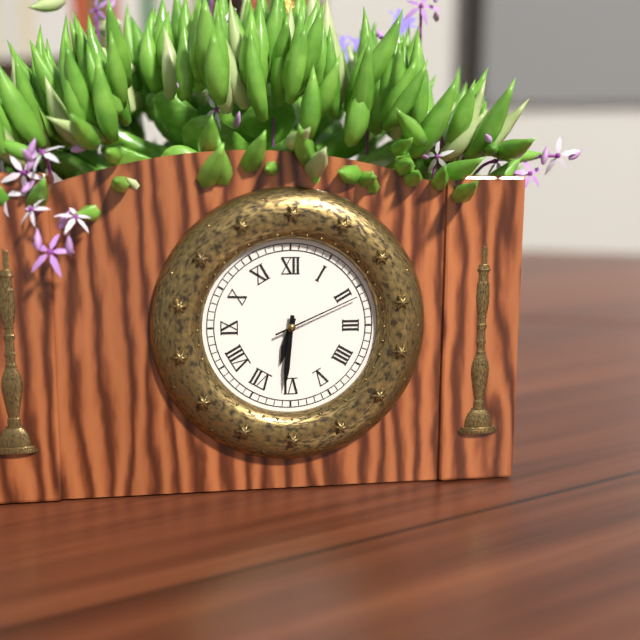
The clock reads 6.31.11
